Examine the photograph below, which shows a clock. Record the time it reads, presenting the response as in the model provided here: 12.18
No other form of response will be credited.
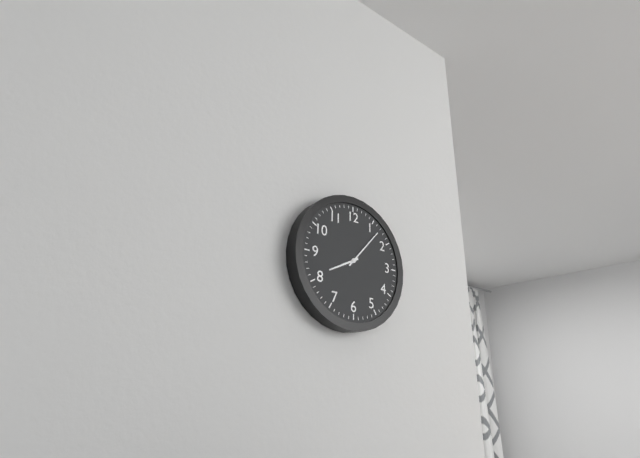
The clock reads 8.07
